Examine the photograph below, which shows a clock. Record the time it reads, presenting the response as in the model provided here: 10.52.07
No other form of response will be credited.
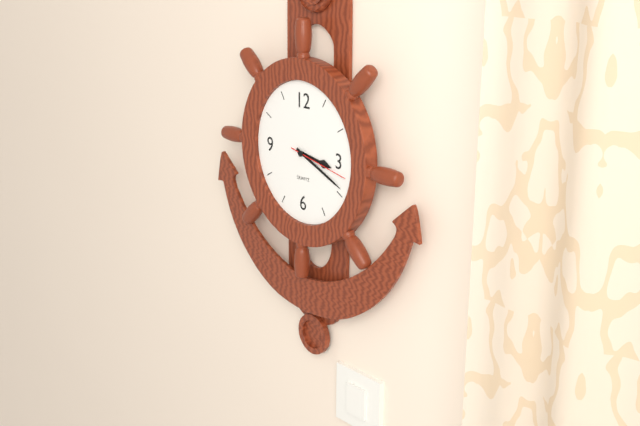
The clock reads 3.19.17
